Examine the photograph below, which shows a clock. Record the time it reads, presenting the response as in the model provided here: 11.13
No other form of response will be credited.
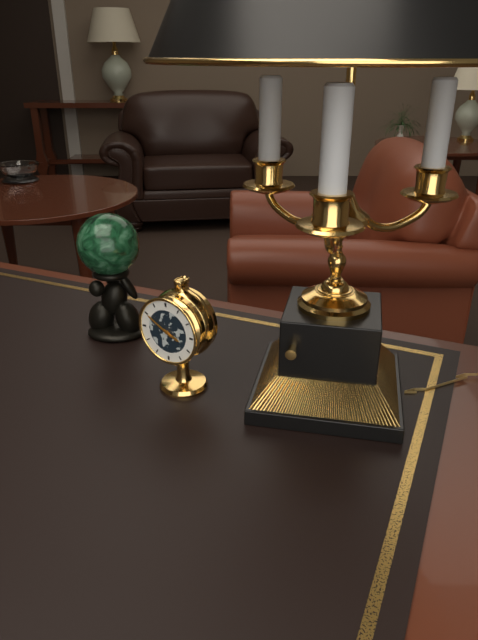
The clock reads 3.50
